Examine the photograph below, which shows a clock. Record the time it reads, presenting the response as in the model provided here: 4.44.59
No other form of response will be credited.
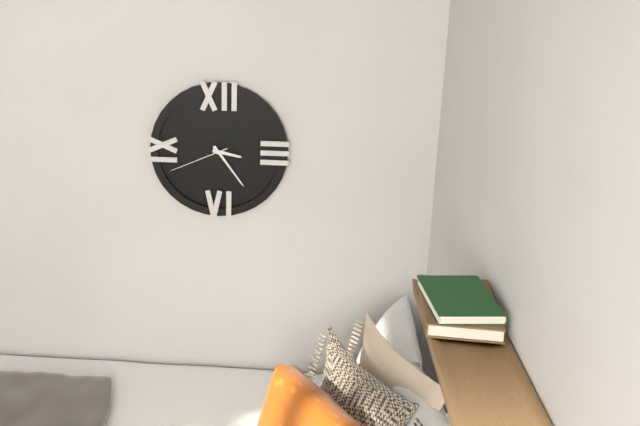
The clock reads 3.24.41
